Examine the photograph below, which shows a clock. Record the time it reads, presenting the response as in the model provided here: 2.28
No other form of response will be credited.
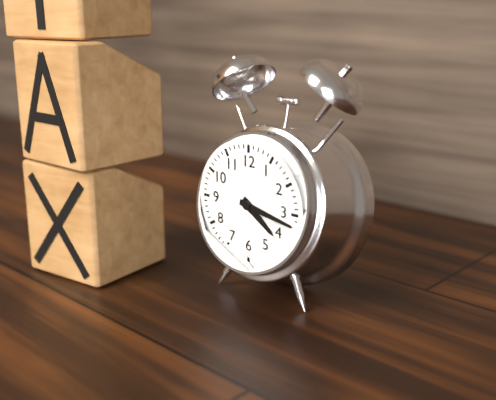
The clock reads 4.17
